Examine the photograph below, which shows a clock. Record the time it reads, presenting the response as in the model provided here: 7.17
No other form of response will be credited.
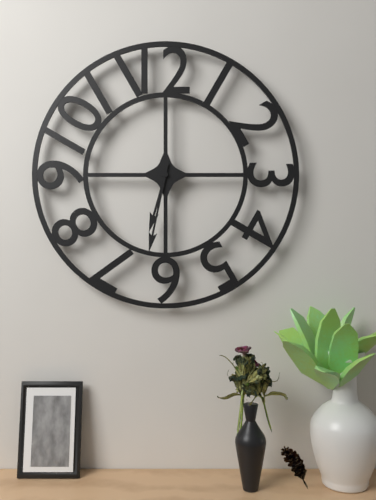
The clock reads 6.32
